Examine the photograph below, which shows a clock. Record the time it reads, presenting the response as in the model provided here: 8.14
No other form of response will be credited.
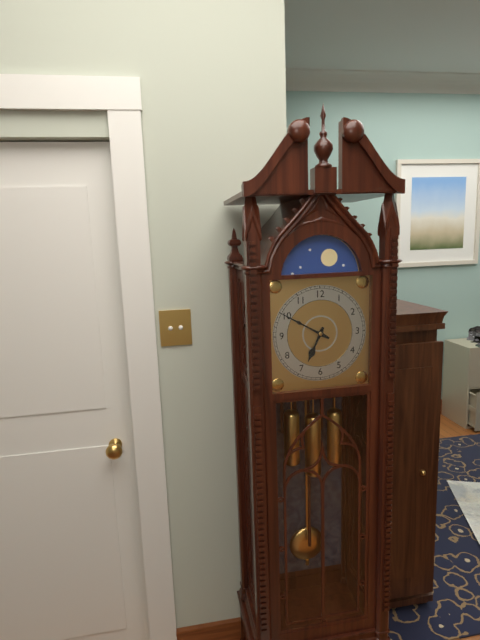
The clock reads 6.50
